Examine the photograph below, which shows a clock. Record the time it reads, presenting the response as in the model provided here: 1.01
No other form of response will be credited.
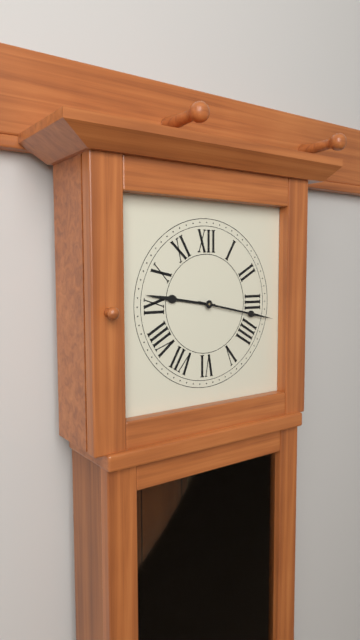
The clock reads 9.17
